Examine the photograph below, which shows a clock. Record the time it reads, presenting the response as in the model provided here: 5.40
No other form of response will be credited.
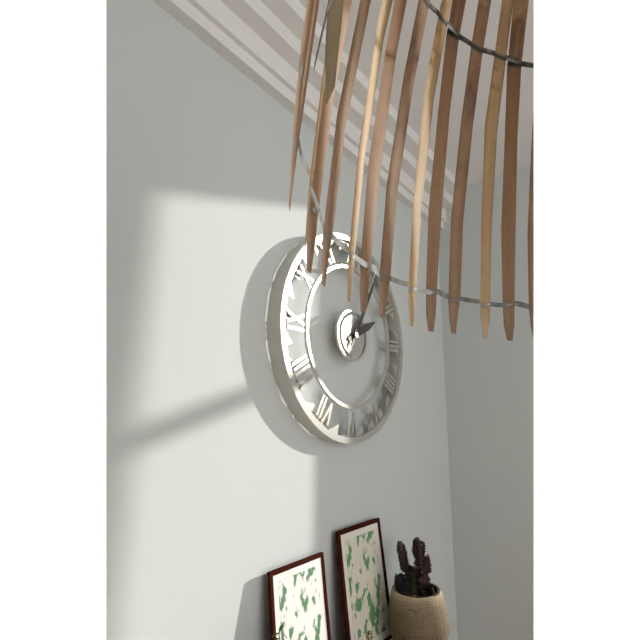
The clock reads 2.05
